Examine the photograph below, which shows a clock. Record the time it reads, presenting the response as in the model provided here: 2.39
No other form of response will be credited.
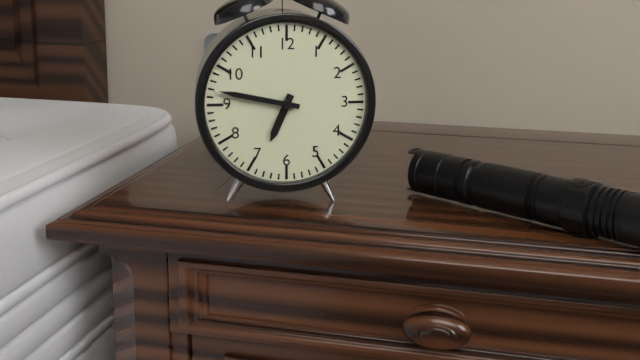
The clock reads 6.47
